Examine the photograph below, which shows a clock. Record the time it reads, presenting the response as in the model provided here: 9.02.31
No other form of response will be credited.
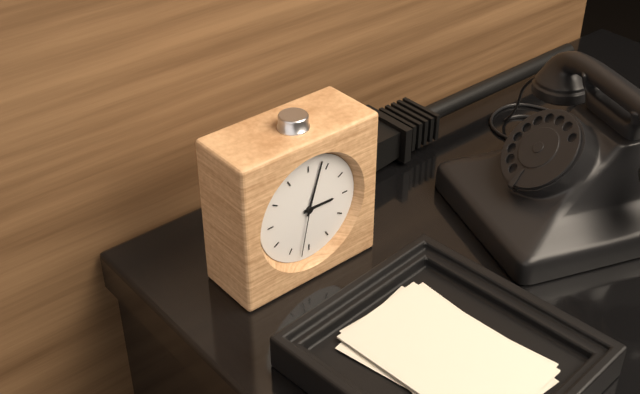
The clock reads 3.03.32
